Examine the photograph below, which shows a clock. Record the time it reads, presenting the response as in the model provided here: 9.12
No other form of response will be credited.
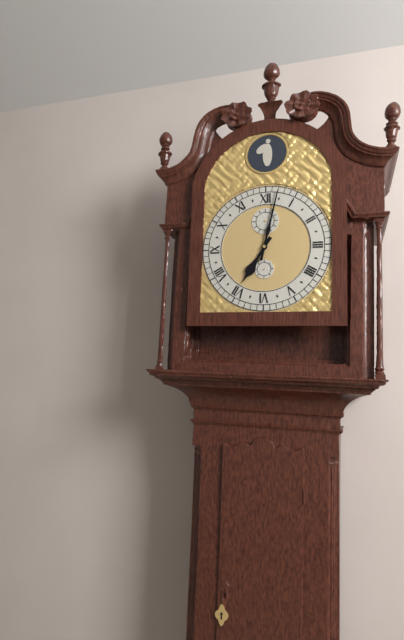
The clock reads 7.02
